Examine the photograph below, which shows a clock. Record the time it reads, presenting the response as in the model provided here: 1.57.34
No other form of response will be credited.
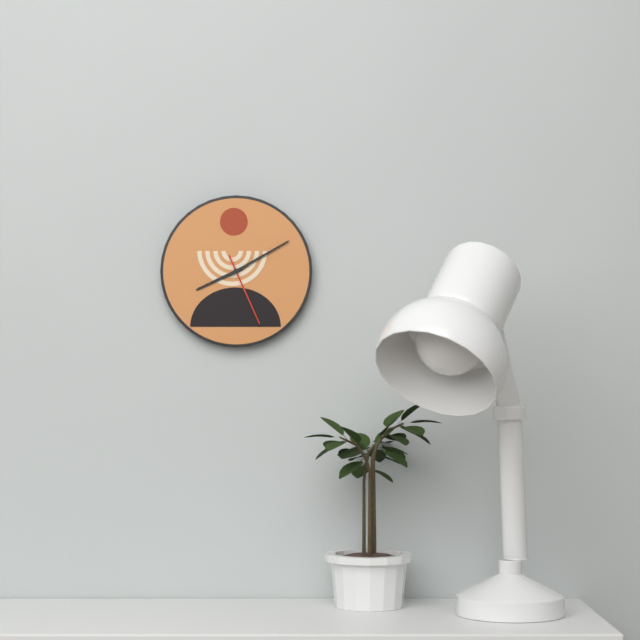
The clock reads 8.10.26
